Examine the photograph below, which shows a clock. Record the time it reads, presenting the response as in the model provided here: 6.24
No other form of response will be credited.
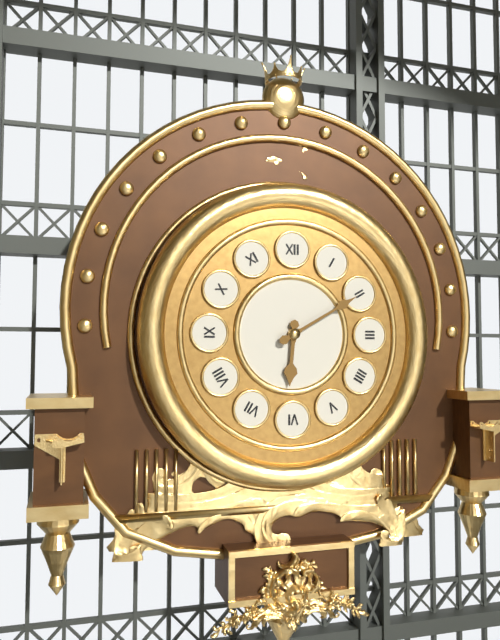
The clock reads 6.10
